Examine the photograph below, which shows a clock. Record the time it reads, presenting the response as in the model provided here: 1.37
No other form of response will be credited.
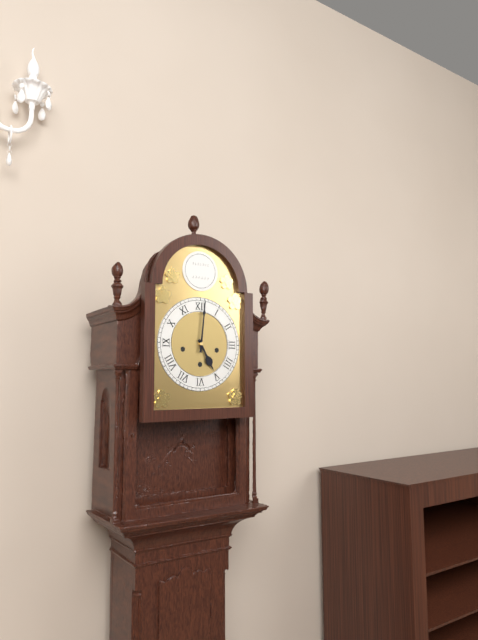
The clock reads 5.01
